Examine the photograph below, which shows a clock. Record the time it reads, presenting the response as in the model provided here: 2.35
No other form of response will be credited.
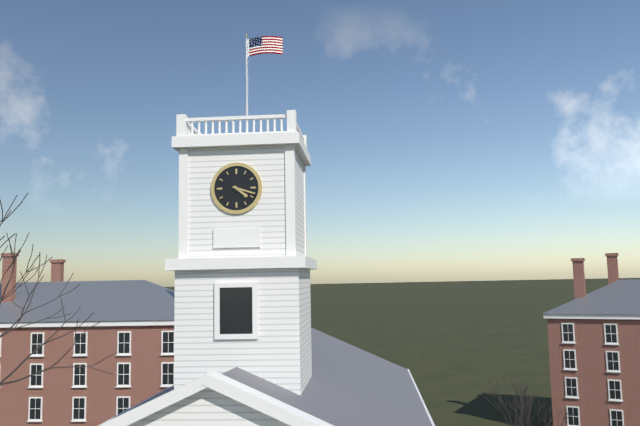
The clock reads 4.18
